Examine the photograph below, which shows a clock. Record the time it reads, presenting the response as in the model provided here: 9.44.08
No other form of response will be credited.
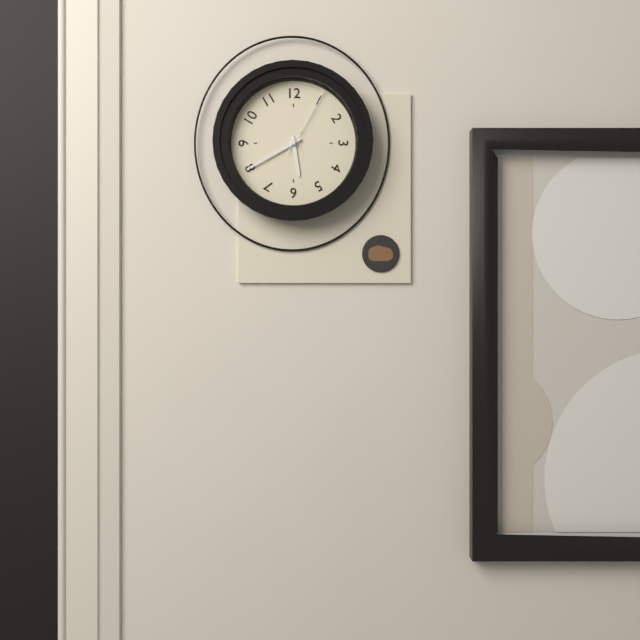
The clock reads 5.40.05
